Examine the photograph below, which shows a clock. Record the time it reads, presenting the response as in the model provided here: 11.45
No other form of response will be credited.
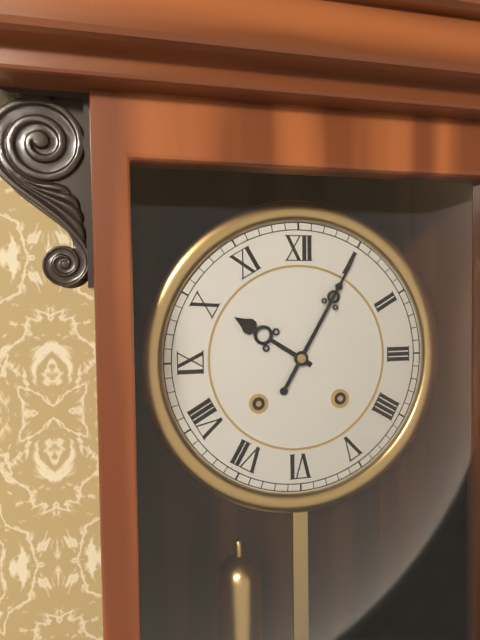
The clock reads 10.05
